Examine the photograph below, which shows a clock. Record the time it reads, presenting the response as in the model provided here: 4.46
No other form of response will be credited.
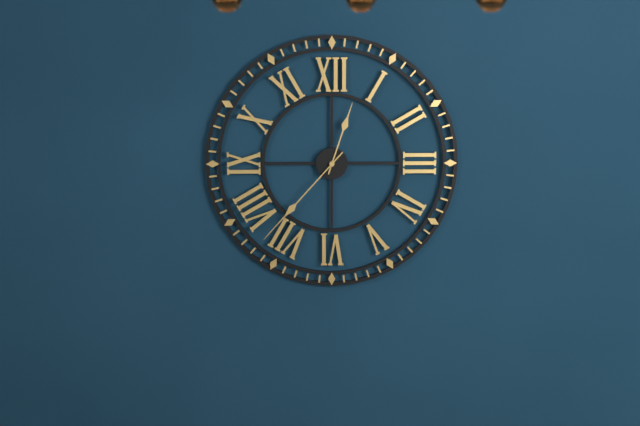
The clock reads 12.37
